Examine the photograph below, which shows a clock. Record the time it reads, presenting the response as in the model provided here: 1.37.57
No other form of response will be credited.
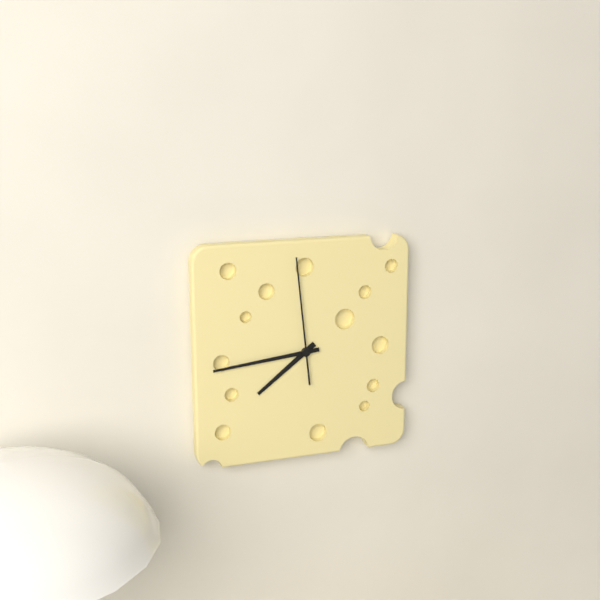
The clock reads 7.44.59
